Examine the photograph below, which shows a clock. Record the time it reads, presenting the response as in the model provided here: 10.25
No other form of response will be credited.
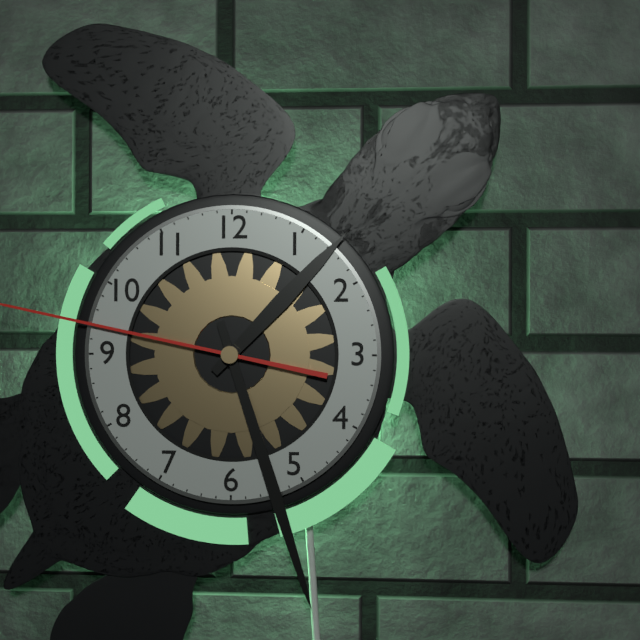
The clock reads 1.27
